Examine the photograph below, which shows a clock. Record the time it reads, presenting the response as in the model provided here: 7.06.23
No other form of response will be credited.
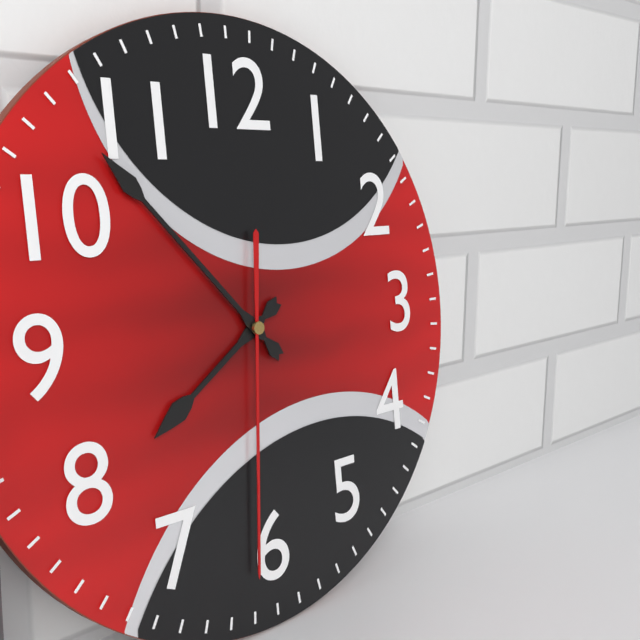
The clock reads 7.53.31
